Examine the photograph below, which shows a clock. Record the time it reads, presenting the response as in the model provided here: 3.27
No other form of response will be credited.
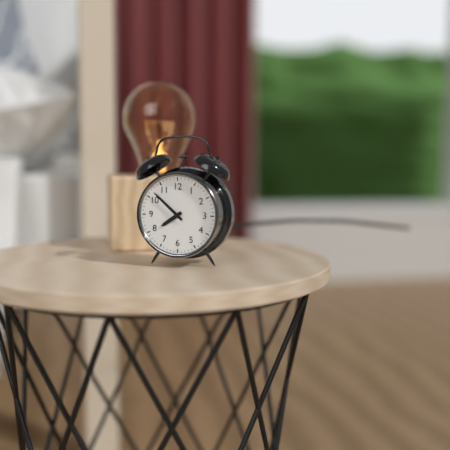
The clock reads 7.52
